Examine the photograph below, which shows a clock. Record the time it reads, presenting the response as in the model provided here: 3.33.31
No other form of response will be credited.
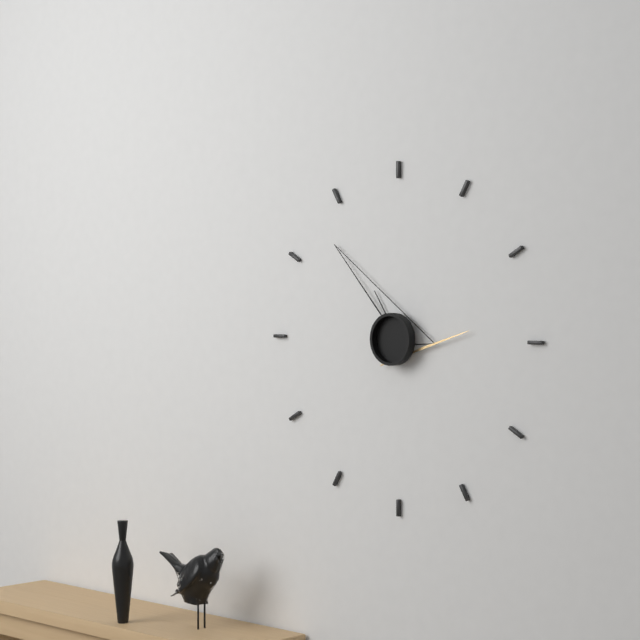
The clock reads 10.53.14
